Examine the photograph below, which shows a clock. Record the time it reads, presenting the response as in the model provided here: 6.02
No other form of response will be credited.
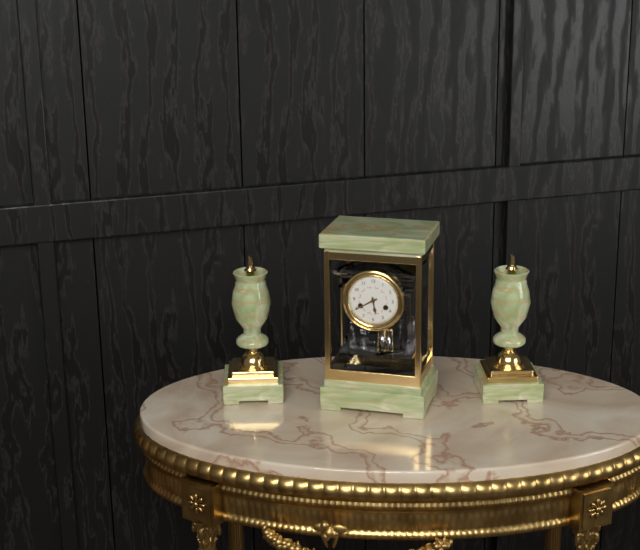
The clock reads 5.40
